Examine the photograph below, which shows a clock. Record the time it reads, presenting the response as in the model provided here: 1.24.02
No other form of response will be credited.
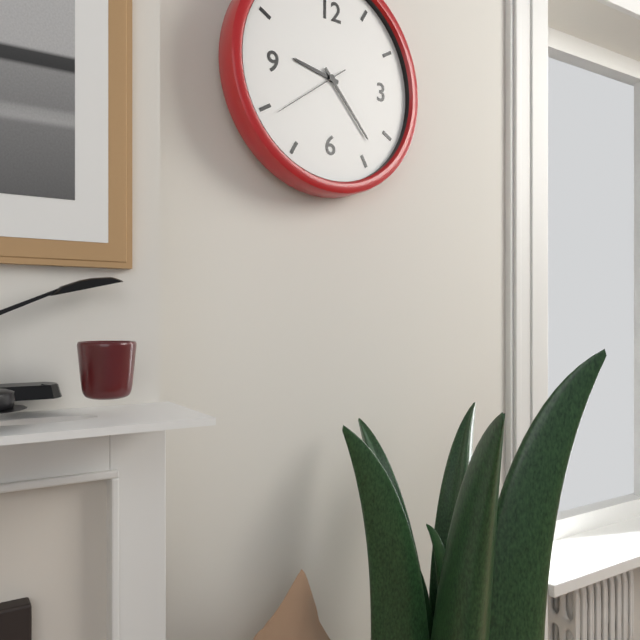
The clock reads 9.23.39
